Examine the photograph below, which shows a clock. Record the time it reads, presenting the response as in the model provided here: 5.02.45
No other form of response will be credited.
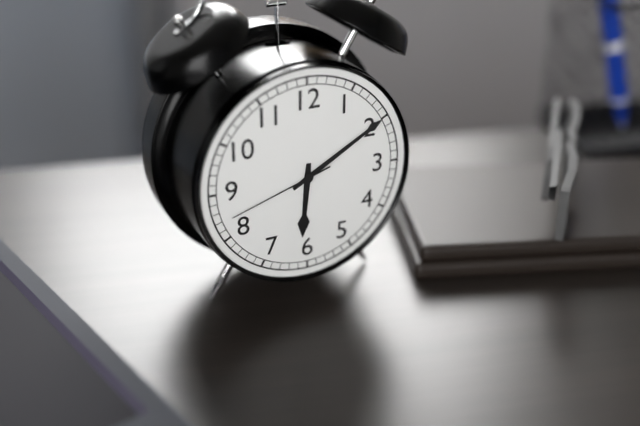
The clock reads 6.10.42
